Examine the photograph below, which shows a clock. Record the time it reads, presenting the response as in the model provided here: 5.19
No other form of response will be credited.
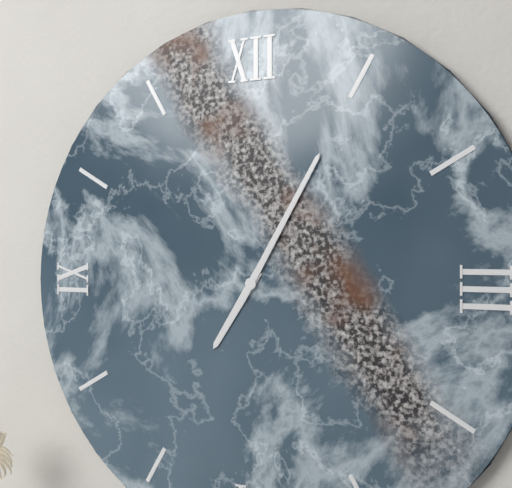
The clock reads 7.05
